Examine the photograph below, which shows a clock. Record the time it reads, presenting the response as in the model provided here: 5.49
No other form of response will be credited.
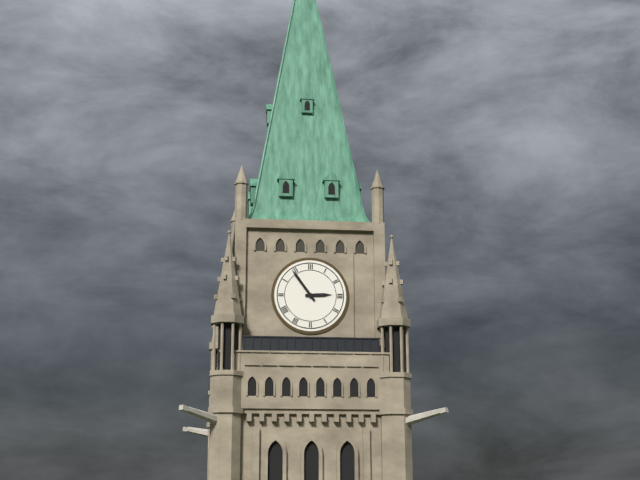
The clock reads 2.54
